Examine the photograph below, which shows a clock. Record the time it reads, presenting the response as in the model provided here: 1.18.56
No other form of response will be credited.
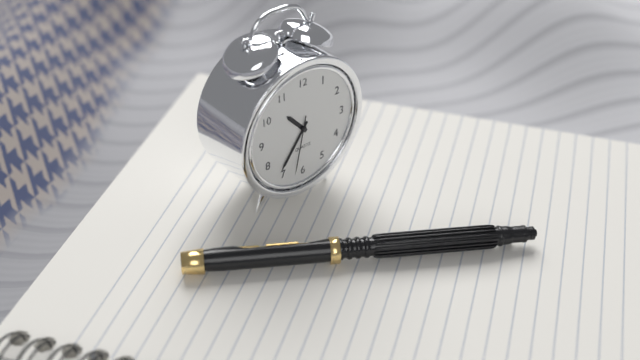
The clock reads 10.36.32
